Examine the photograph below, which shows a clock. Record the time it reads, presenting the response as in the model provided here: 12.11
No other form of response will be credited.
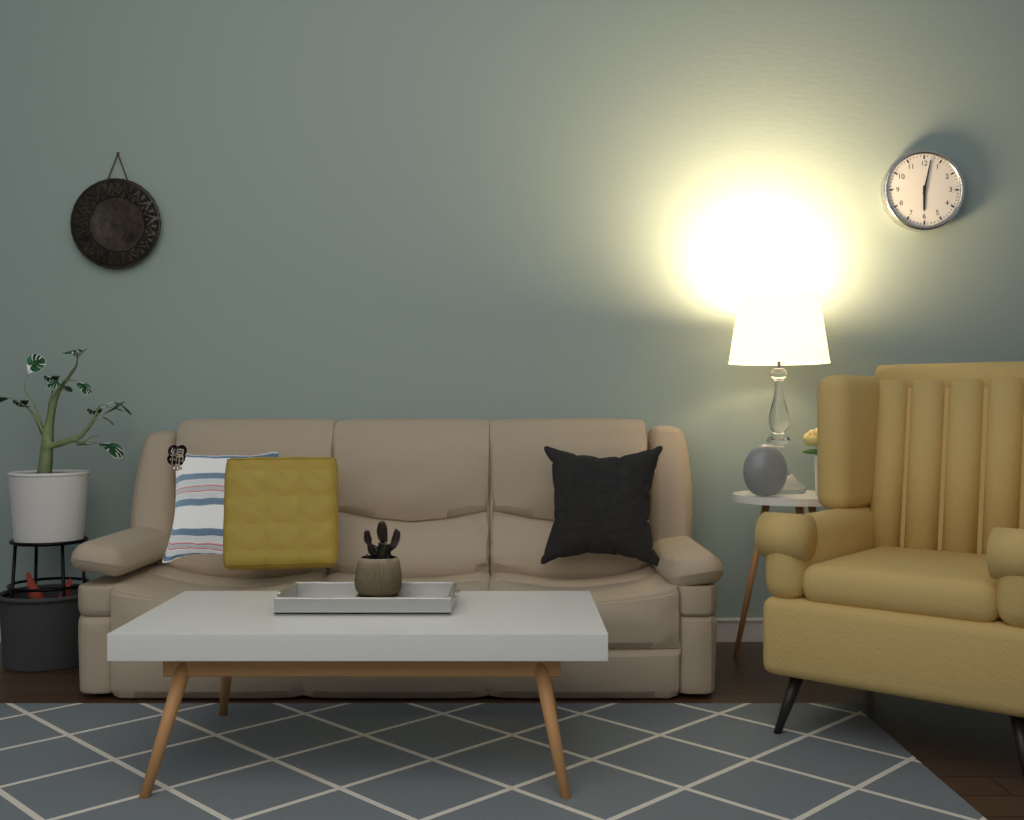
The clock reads 6.02
